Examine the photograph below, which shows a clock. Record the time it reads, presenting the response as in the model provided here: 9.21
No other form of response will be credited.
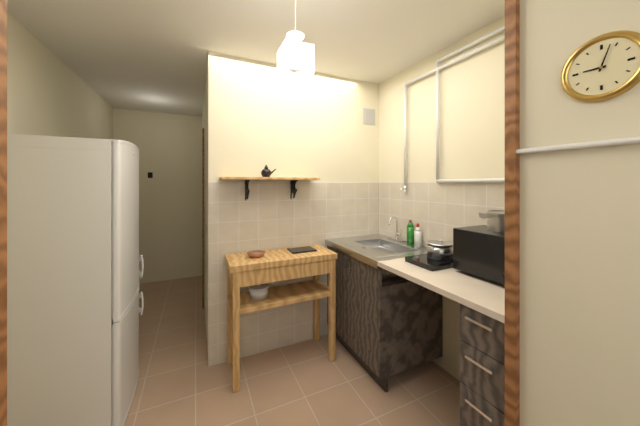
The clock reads 9.03
